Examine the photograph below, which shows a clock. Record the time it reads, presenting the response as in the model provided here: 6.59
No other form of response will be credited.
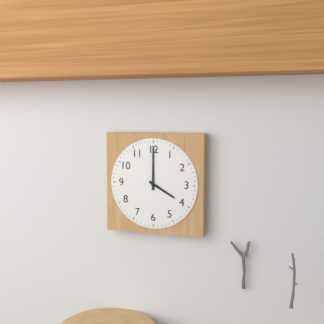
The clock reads 4.00
